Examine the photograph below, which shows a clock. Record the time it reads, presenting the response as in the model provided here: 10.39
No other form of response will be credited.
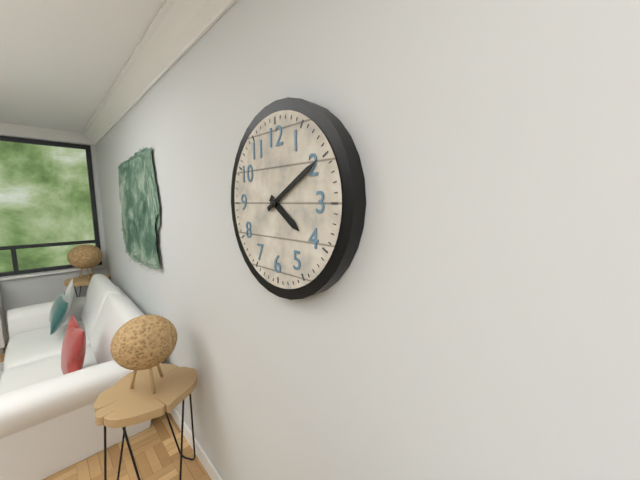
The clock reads 4.10
